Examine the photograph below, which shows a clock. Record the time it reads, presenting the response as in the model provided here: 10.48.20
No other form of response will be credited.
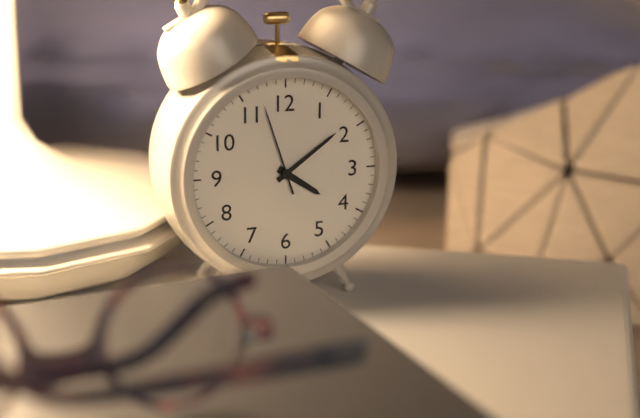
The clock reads 4.09.57
